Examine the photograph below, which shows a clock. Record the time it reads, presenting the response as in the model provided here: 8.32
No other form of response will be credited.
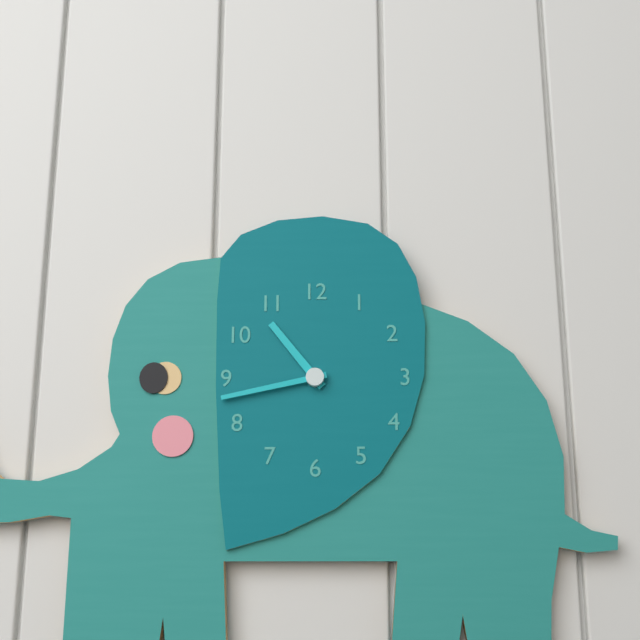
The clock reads 10.43
